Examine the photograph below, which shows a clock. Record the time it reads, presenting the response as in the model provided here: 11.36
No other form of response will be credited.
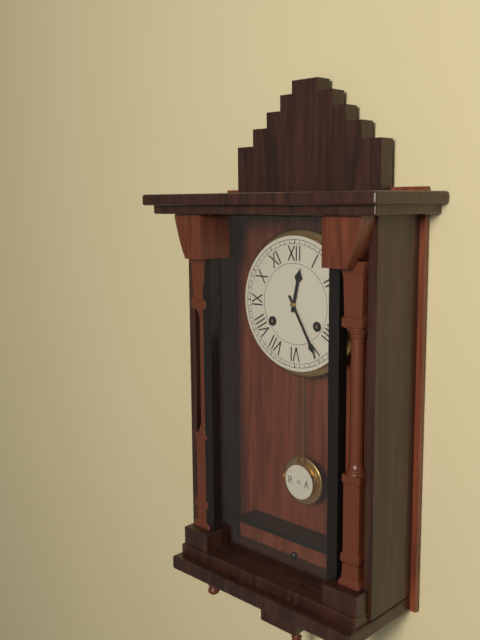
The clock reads 12.25
